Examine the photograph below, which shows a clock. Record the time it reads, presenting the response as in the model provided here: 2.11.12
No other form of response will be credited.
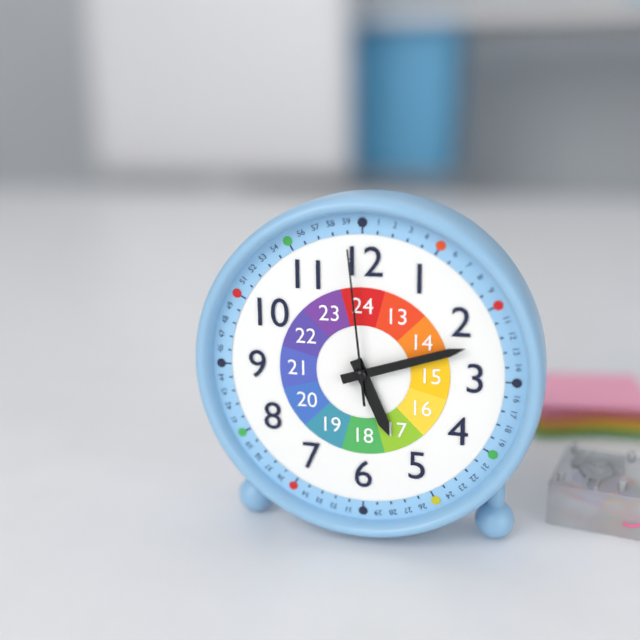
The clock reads 5.12.59
